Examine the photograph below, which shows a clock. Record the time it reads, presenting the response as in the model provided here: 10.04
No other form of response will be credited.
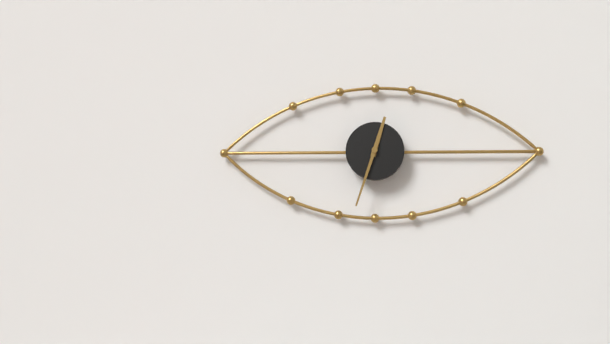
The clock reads 12.33
